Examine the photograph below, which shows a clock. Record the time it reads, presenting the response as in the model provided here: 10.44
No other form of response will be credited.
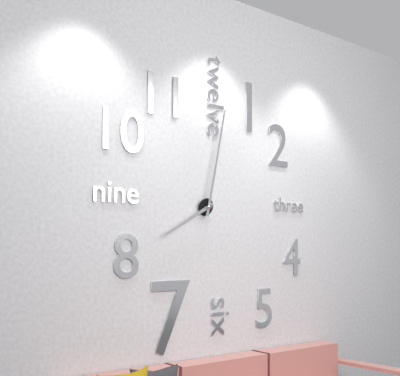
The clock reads 8.02
